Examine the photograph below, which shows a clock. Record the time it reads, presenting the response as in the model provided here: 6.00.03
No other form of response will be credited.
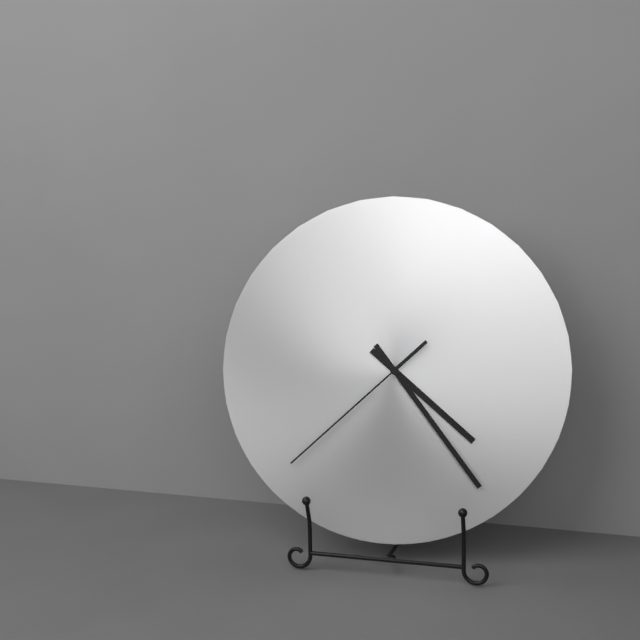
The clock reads 4.24.38
